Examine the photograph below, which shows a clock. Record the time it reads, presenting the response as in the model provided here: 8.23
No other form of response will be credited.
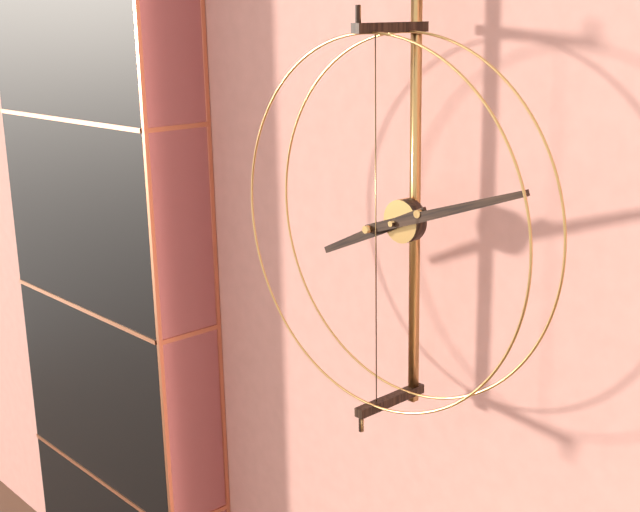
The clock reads 8.12
